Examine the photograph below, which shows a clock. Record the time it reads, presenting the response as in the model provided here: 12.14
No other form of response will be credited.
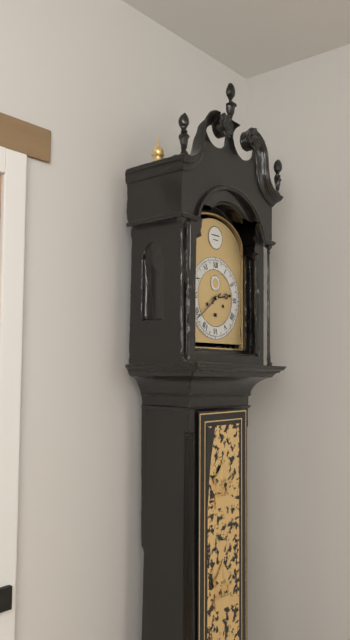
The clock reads 2.39
